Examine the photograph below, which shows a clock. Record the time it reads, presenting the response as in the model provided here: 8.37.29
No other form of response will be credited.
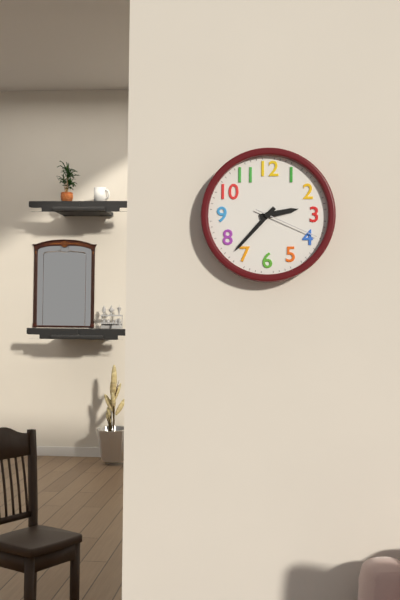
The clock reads 2.37.19
